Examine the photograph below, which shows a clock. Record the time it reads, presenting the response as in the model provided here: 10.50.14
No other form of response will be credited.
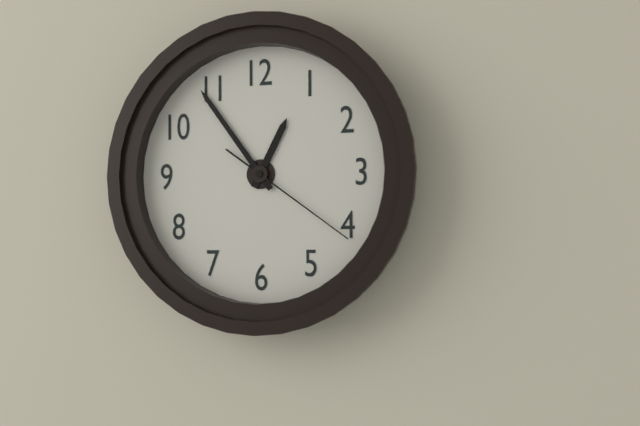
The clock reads 12.54.21
